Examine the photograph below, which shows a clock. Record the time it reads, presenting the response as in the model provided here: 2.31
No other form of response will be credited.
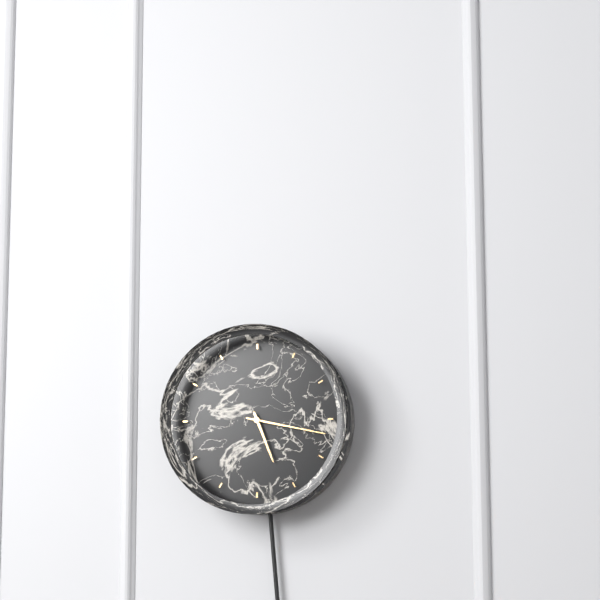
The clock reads 5.17
